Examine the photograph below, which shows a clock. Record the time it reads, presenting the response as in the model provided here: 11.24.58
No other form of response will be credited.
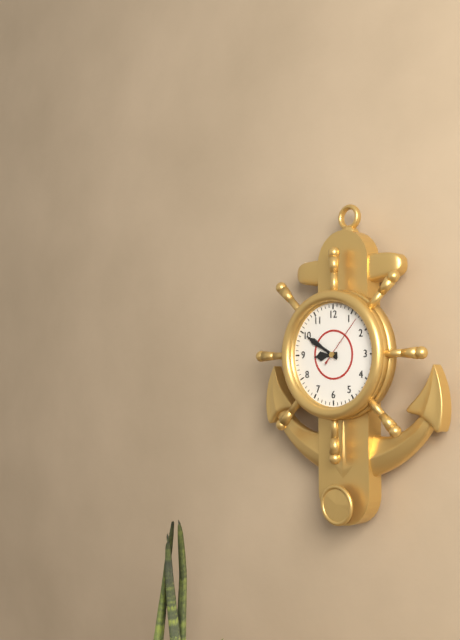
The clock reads 8.50.07
